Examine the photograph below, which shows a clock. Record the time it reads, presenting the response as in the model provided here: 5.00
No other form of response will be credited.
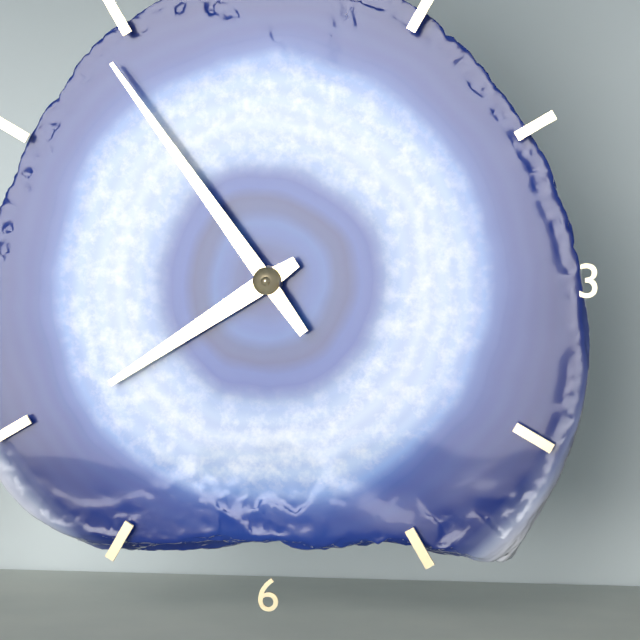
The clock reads 7.54
